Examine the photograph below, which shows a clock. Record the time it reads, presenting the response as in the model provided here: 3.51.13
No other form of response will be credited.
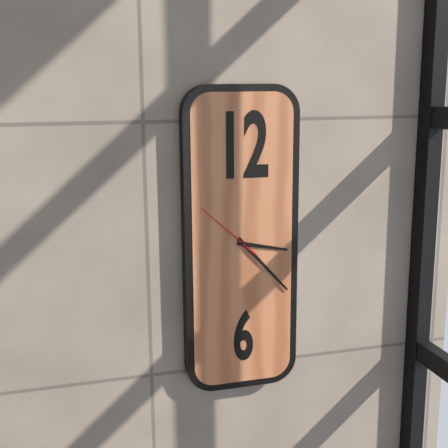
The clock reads 3.23.52
